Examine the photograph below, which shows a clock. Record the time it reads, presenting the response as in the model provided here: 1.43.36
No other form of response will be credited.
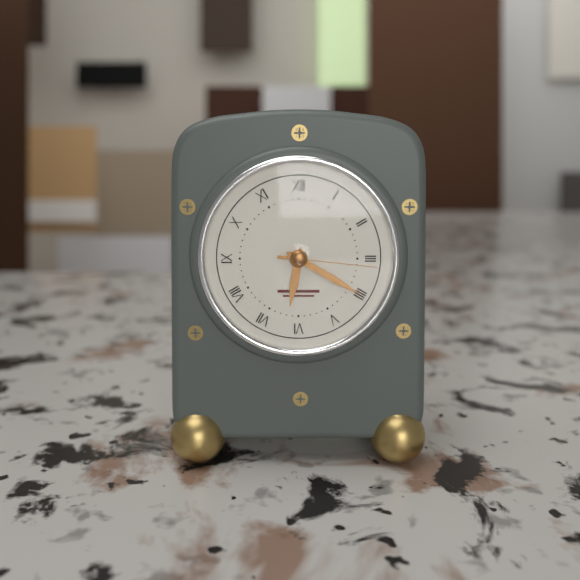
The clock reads 6.20.16
